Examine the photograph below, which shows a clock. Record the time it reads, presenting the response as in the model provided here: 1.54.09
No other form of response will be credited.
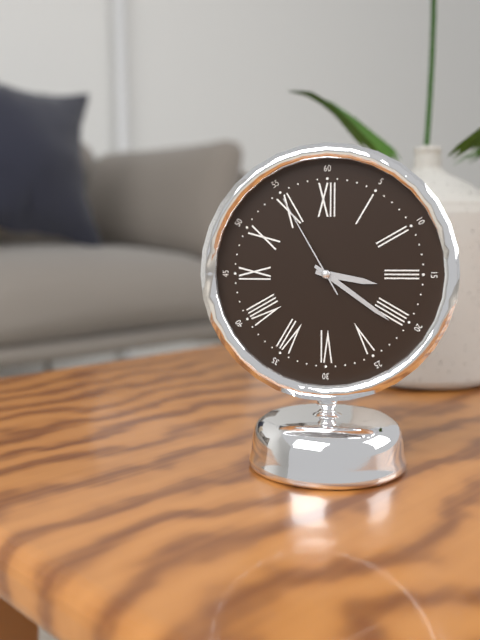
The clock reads 3.21.55
